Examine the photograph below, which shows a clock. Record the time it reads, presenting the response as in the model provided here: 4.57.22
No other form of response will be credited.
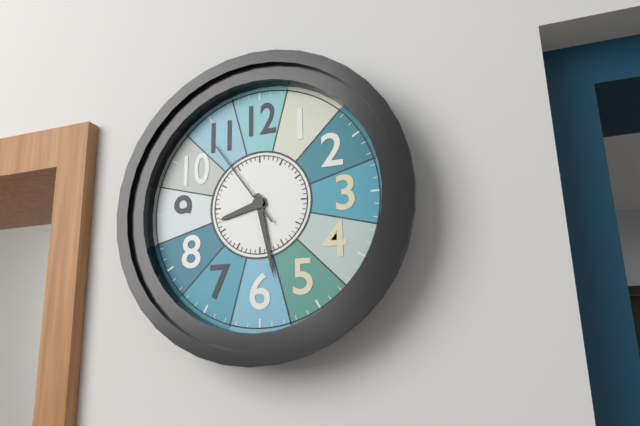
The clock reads 8.28.54
